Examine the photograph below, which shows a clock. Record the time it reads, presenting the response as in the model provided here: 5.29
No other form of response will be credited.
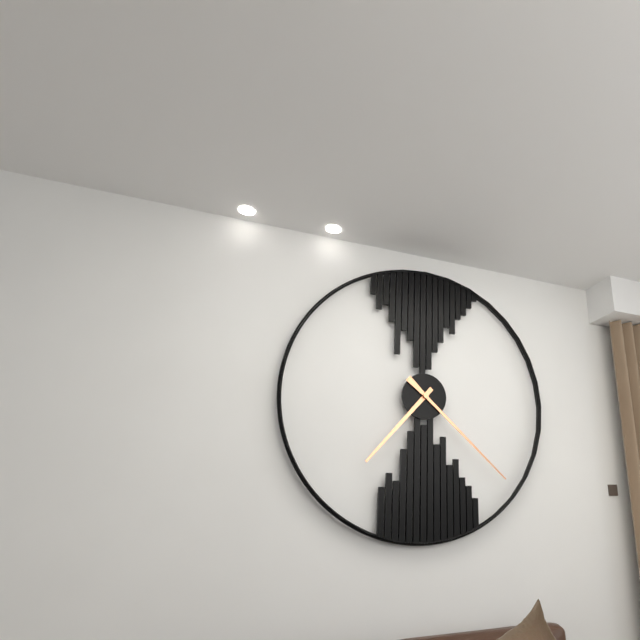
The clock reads 7.22
